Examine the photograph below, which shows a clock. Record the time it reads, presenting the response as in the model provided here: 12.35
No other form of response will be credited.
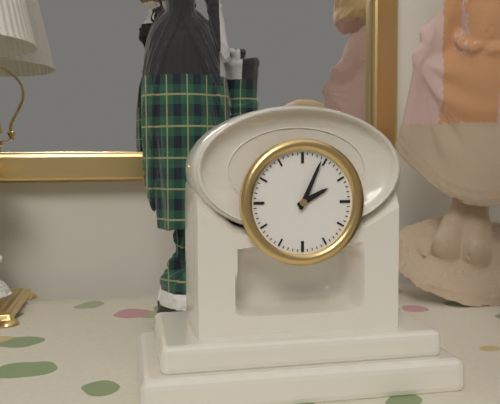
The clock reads 2.04
